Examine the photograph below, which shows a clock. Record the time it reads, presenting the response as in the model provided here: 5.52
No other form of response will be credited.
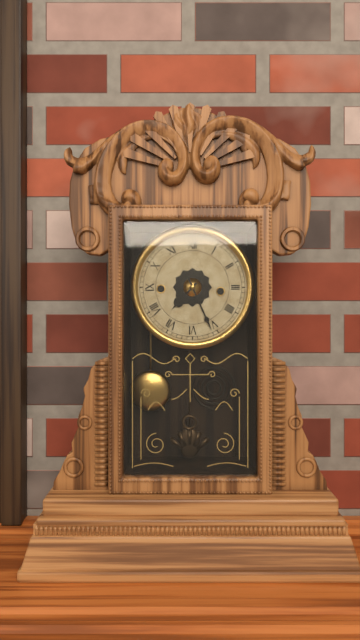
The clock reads 7.26
